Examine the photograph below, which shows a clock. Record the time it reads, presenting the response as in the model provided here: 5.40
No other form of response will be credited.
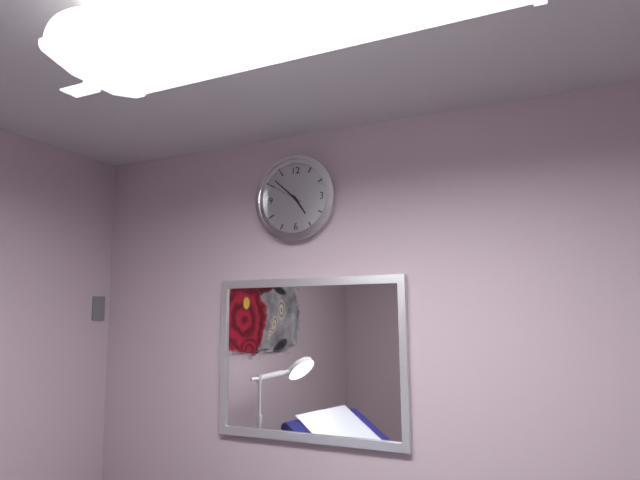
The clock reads 4.52
